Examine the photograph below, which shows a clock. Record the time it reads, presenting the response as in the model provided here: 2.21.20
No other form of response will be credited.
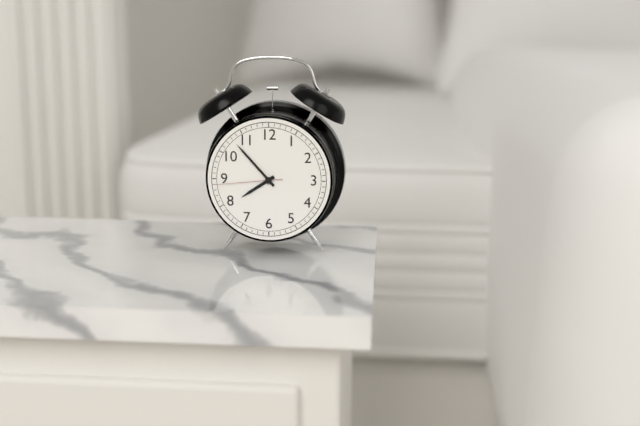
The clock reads 7.53.44
